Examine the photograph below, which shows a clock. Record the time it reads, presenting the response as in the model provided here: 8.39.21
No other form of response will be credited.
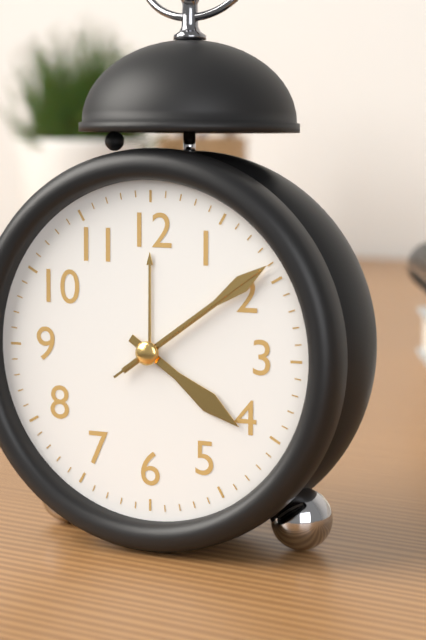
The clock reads 4.09.09
